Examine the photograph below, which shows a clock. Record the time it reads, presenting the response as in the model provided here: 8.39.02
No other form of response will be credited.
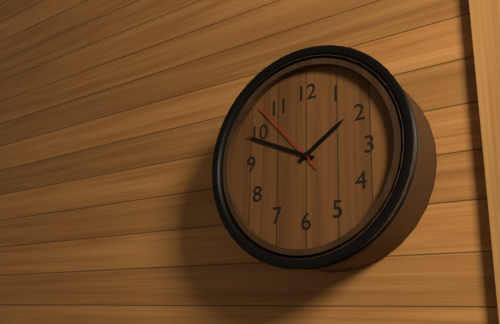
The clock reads 1.49.53
